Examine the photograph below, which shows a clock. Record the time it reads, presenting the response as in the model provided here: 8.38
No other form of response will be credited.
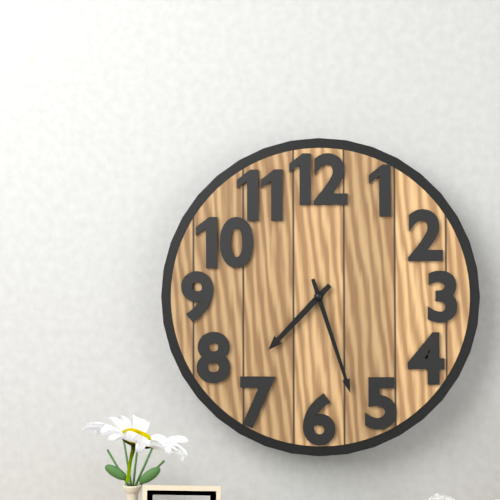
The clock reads 7.27
